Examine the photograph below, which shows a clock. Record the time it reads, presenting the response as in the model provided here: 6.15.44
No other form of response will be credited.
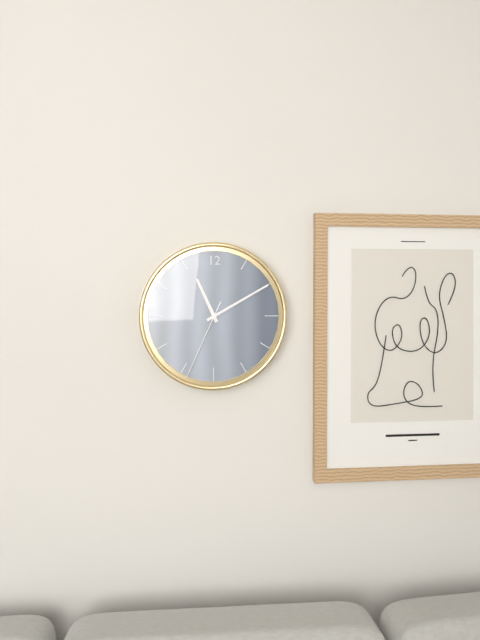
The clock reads 11.10.34
